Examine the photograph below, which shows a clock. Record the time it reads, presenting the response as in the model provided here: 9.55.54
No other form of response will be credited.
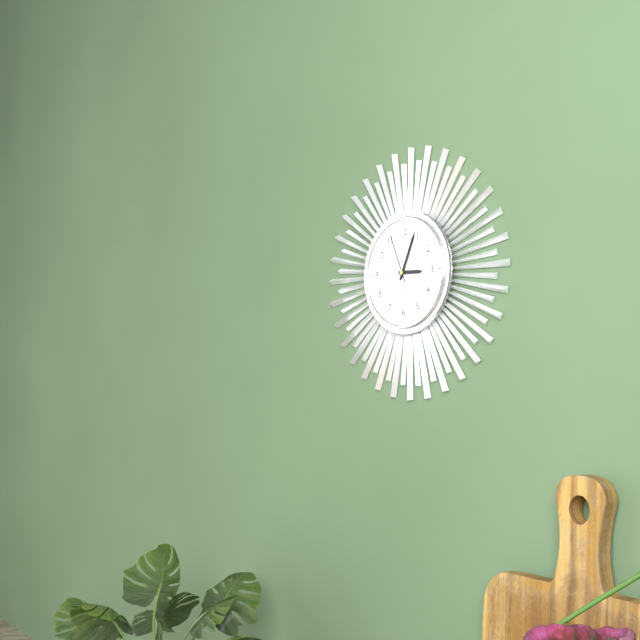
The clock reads 3.04.56
